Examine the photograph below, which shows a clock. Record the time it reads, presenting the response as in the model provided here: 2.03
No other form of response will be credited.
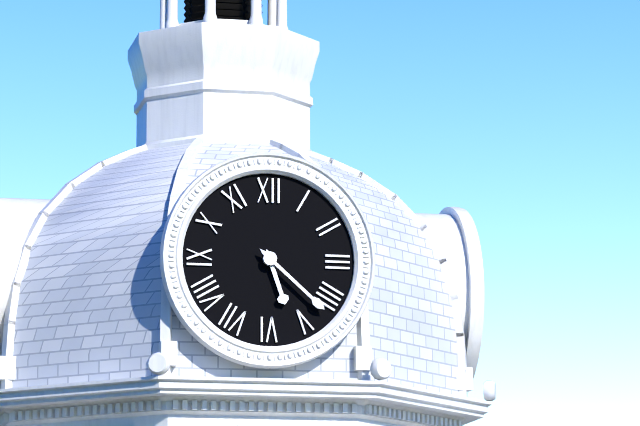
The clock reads 5.22
